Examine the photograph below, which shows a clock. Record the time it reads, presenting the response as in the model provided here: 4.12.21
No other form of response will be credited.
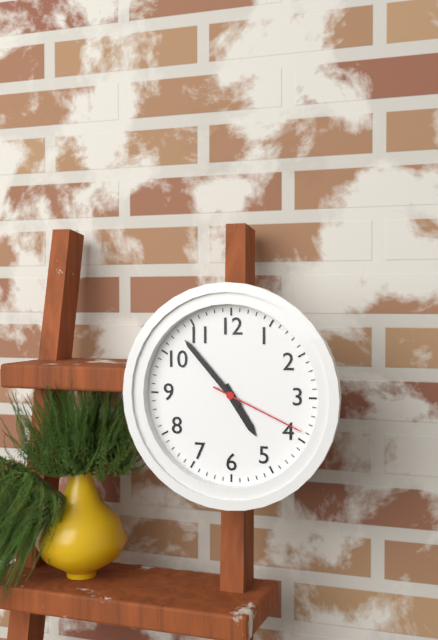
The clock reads 4.53.19
